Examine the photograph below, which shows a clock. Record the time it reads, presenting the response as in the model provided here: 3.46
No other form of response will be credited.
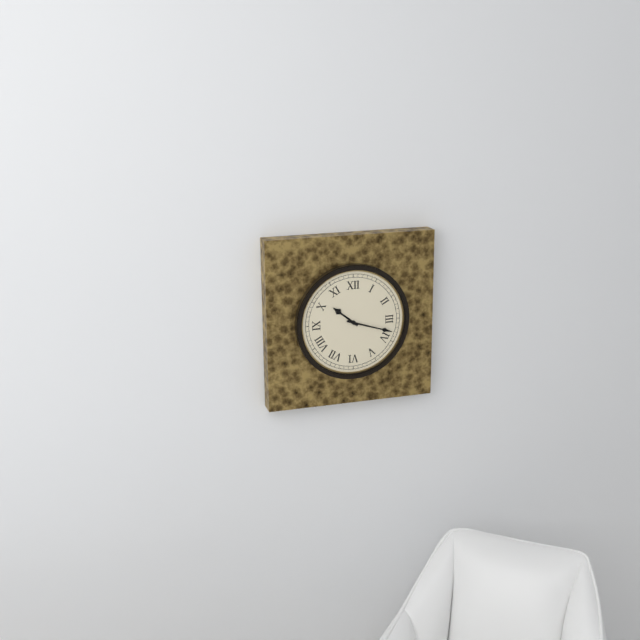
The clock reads 10.18
